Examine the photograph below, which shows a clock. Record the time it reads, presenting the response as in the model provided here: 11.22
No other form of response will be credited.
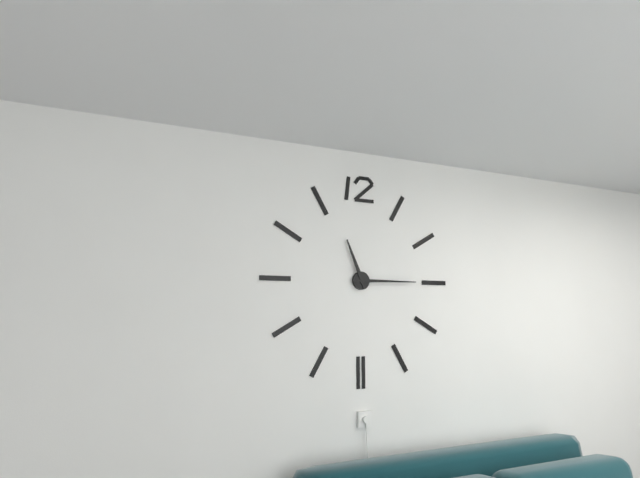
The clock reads 11.15
